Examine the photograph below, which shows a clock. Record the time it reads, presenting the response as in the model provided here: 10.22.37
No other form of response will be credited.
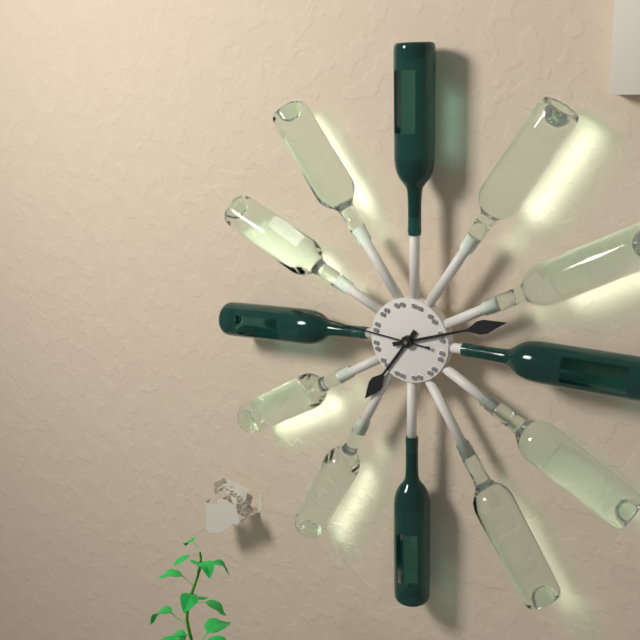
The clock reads 7.12.46
